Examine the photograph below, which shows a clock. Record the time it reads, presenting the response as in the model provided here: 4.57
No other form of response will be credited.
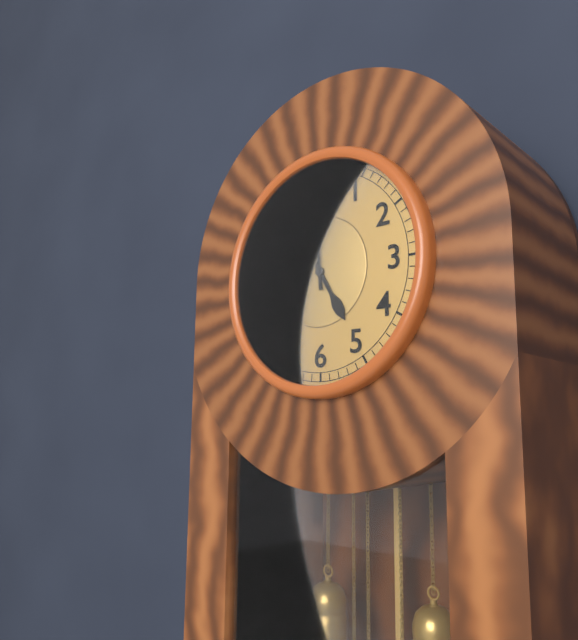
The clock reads 4.59
